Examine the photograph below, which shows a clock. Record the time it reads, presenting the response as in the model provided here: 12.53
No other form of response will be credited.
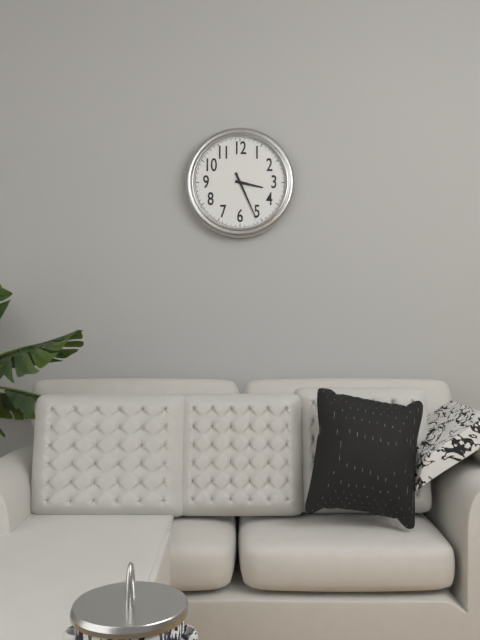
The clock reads 3.26
